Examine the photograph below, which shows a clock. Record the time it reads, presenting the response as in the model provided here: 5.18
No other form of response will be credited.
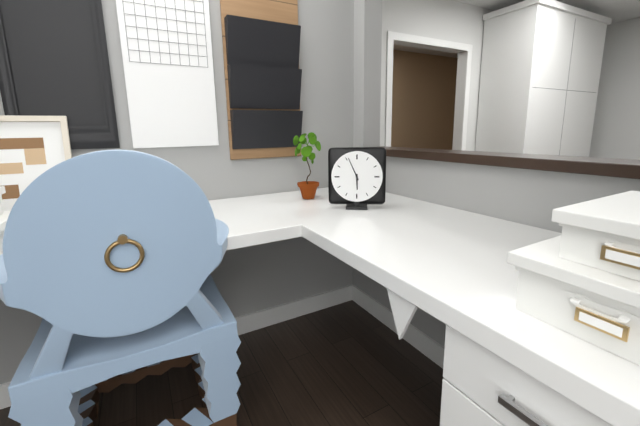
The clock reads 5.56
